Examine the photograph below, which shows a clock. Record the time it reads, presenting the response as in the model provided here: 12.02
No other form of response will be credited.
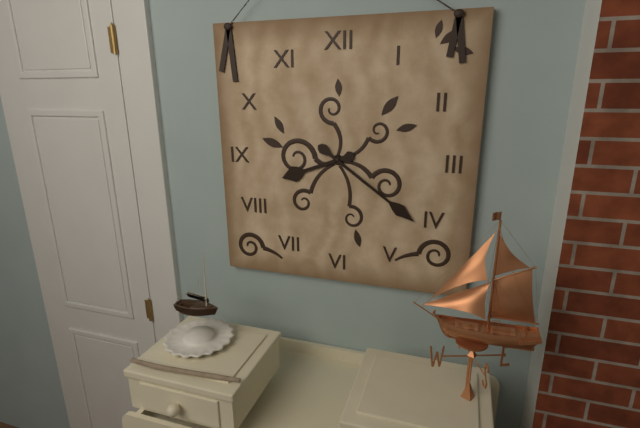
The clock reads 8.21
